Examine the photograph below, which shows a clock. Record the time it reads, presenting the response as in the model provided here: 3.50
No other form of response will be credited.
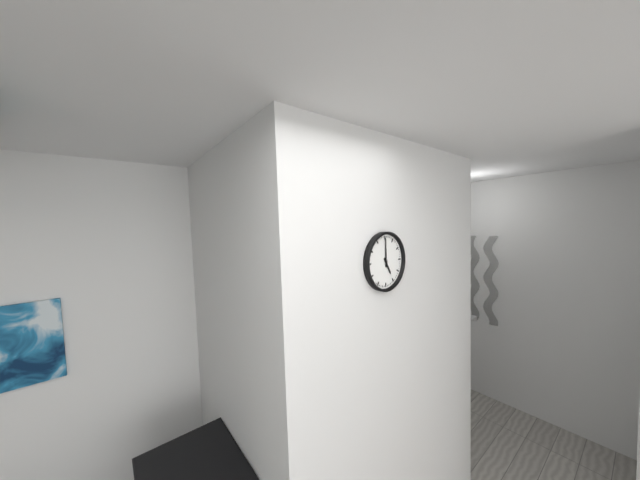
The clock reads 5.00
